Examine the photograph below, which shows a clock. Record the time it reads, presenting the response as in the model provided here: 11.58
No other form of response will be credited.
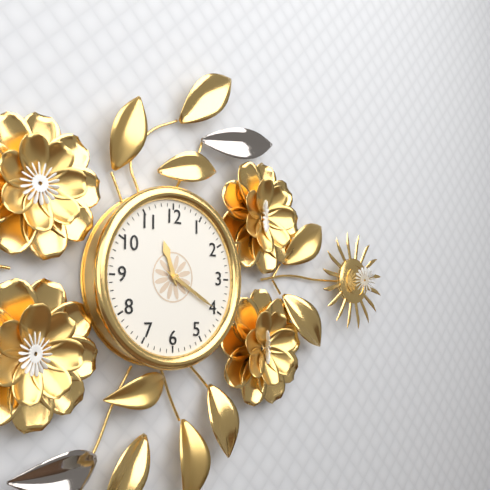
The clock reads 11.20
